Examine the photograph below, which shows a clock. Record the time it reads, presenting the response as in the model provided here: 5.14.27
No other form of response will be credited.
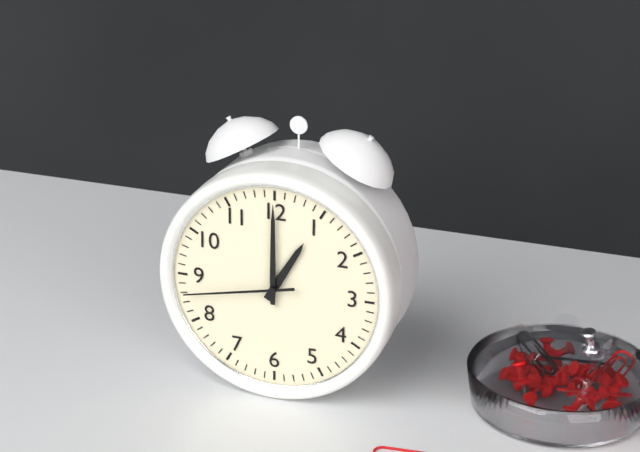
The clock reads 1.00.43
